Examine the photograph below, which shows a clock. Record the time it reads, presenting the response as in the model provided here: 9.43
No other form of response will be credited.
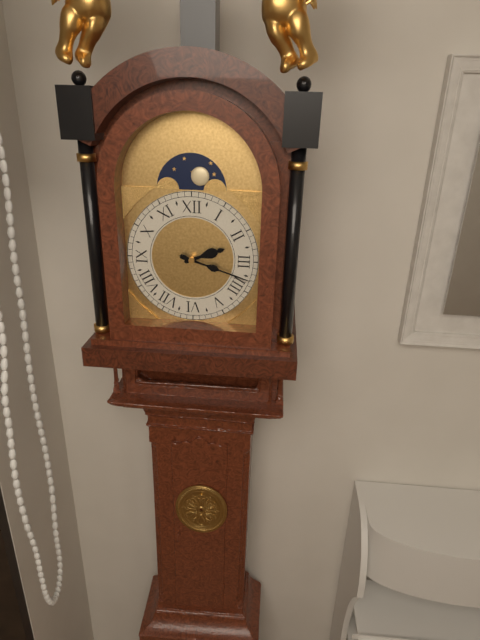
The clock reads 2.18
